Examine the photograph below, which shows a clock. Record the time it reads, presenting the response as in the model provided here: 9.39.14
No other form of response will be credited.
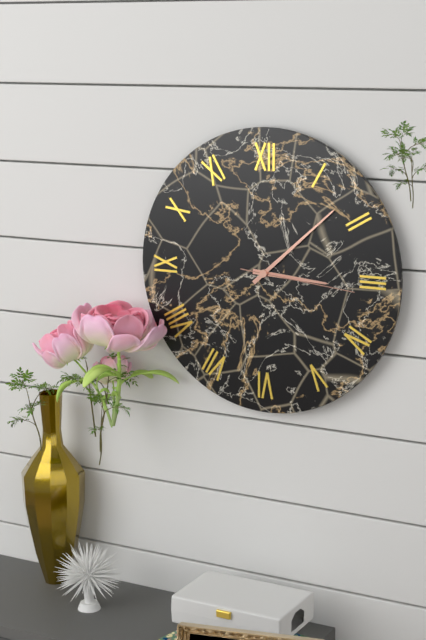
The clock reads 3.08.16
